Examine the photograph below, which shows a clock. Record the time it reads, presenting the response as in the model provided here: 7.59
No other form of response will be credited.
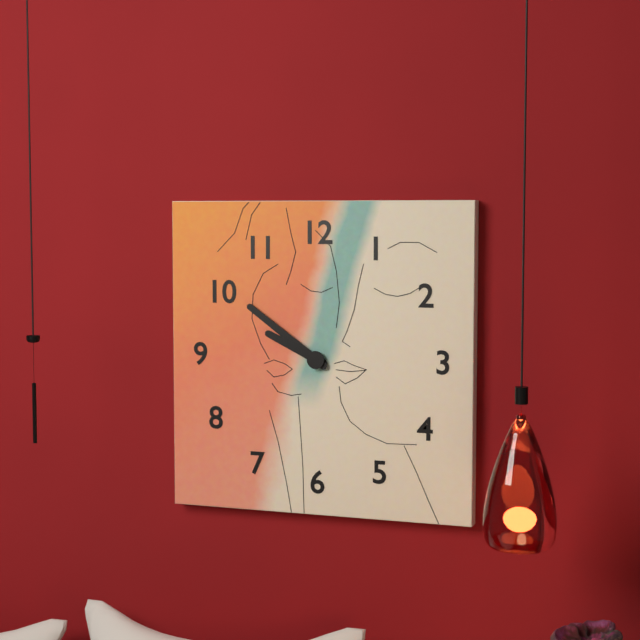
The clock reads 9.51
